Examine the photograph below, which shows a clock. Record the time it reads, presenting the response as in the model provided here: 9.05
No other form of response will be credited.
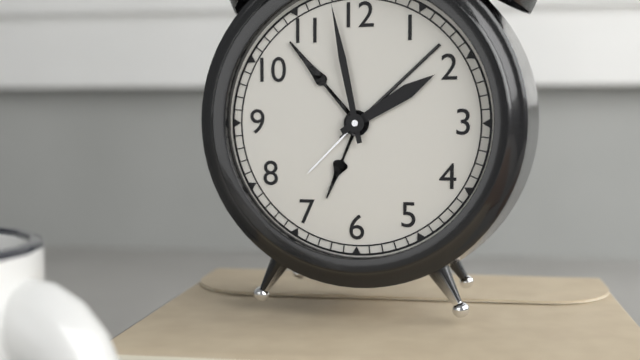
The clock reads 1.58
